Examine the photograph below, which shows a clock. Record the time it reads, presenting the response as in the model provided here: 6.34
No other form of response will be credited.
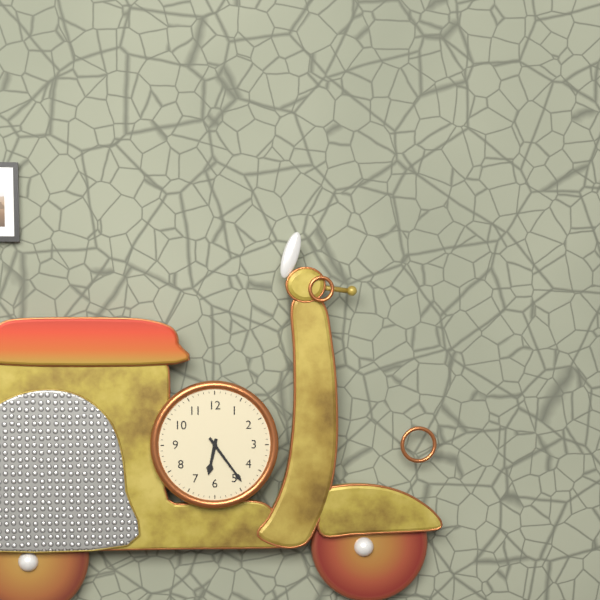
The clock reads 6.24
